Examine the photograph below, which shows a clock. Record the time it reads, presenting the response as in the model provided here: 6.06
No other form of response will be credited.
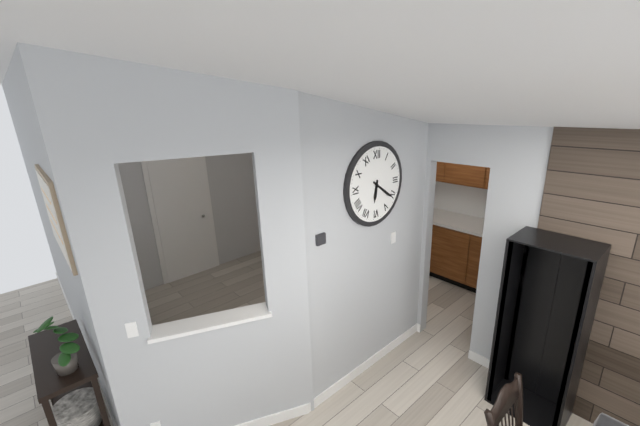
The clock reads 6.21
